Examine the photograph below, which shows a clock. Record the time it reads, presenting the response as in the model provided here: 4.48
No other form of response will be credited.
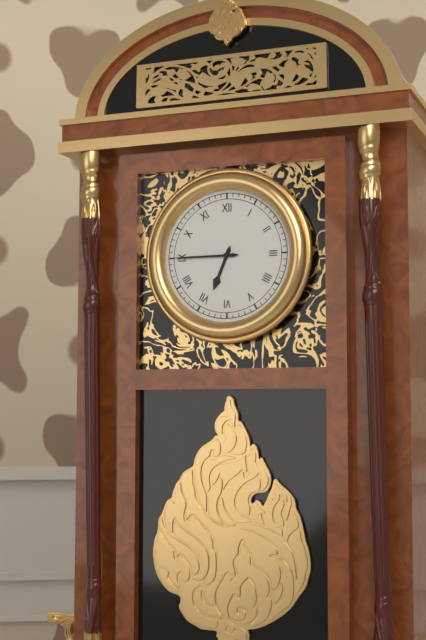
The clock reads 6.45
